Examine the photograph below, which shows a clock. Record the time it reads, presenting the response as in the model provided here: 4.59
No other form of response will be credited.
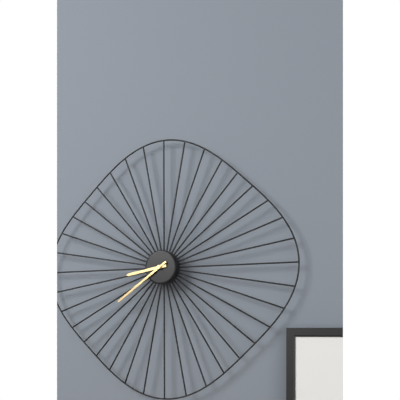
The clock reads 8.39
